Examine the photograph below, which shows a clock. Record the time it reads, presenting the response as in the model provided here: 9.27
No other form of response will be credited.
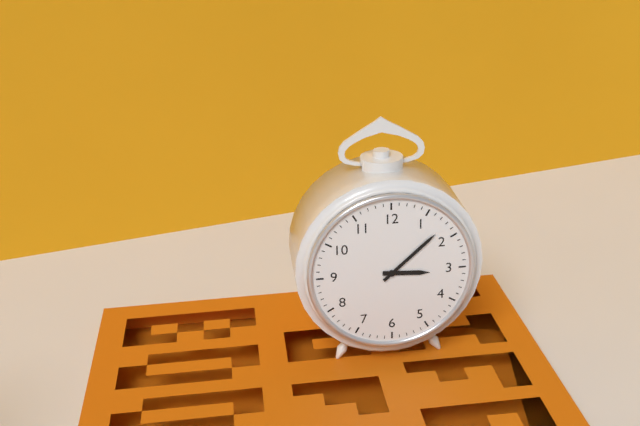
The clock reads 3.08
